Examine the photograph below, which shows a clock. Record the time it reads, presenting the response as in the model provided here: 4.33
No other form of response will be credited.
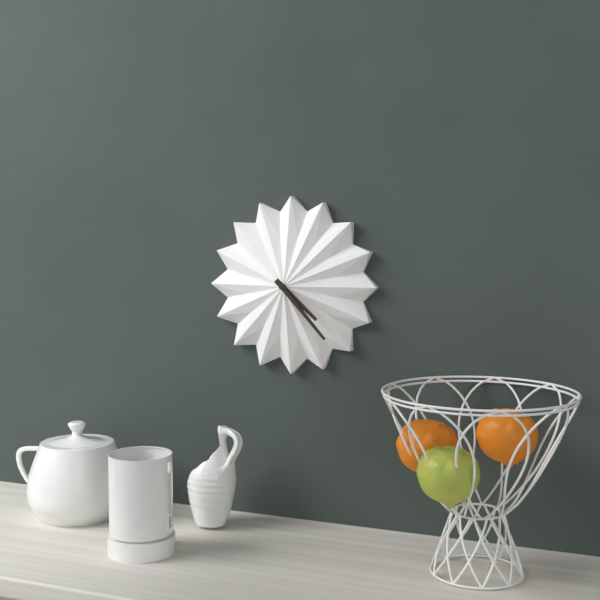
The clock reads 4.23
